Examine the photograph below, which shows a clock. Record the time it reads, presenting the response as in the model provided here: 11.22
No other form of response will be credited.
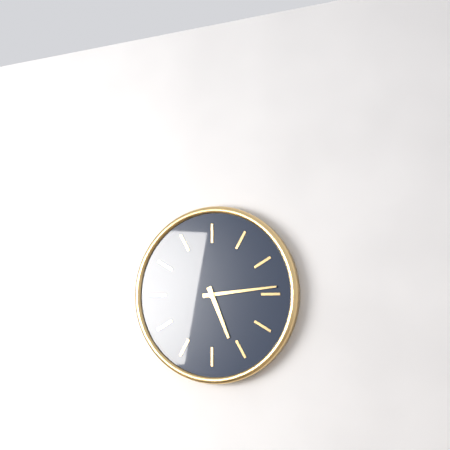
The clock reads 5.14
